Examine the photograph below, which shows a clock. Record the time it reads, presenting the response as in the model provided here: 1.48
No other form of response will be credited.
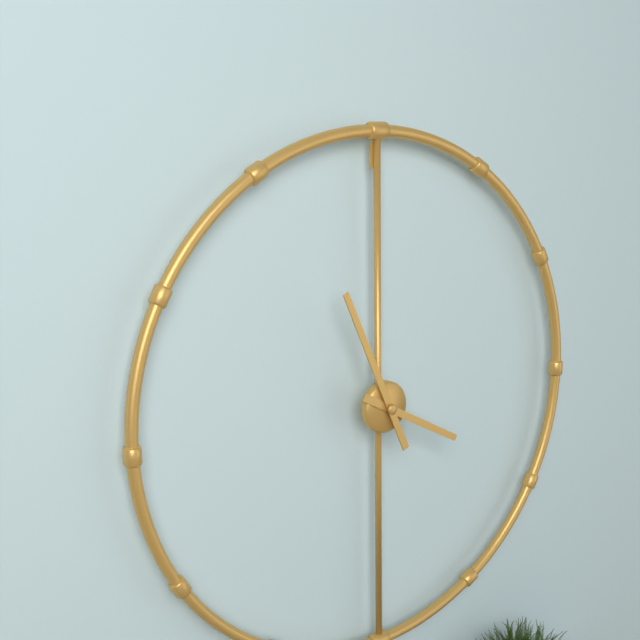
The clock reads 3.56
